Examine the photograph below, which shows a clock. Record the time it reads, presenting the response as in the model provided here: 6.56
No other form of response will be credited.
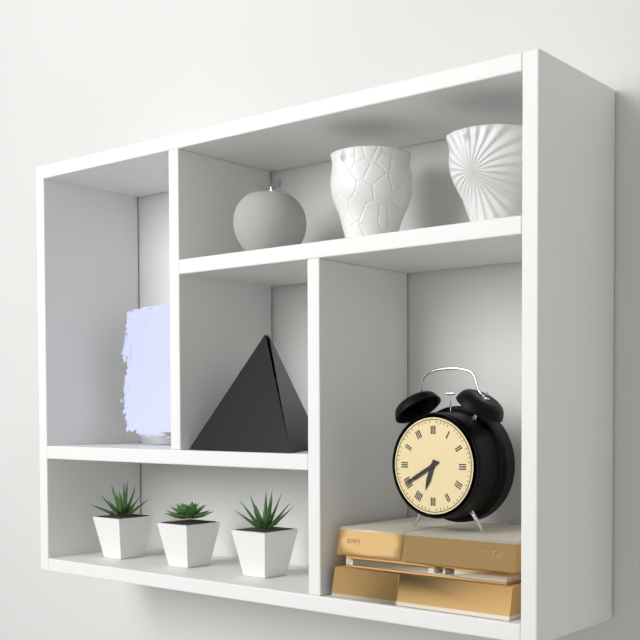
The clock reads 6.40
